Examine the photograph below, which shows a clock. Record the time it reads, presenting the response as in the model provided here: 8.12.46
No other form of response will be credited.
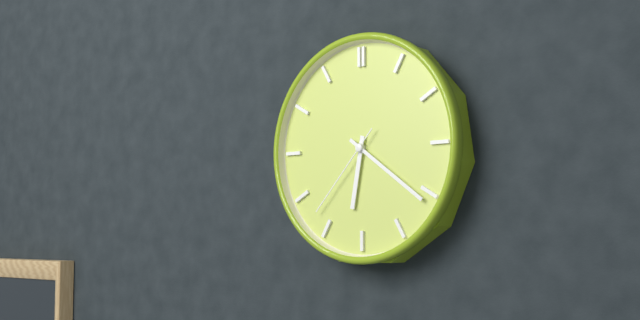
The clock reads 6.21.37
